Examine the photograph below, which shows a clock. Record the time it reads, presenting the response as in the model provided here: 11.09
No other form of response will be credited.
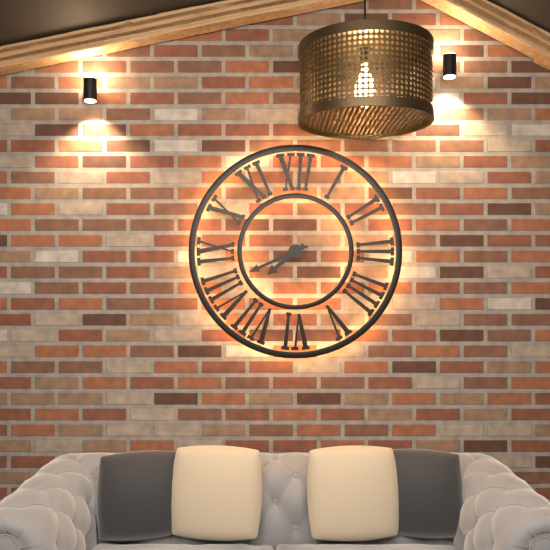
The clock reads 7.41
